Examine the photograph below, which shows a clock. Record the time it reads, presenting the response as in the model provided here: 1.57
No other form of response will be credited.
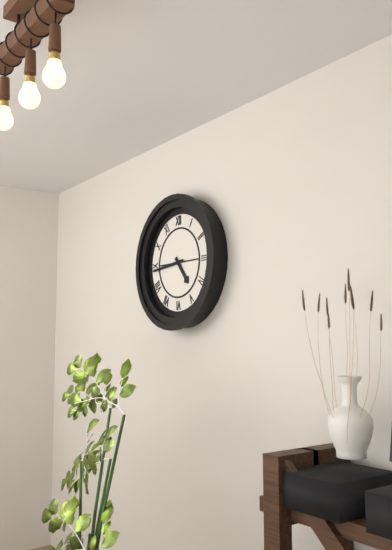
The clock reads 4.44
